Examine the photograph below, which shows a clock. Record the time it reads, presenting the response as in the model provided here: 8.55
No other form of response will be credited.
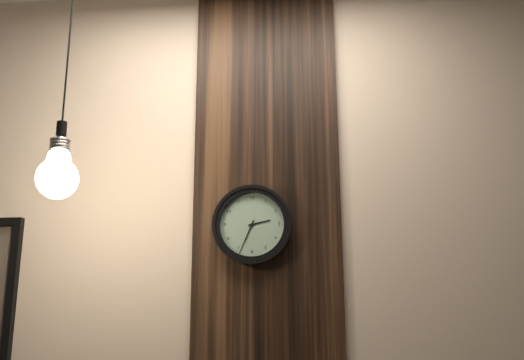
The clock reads 2.34
